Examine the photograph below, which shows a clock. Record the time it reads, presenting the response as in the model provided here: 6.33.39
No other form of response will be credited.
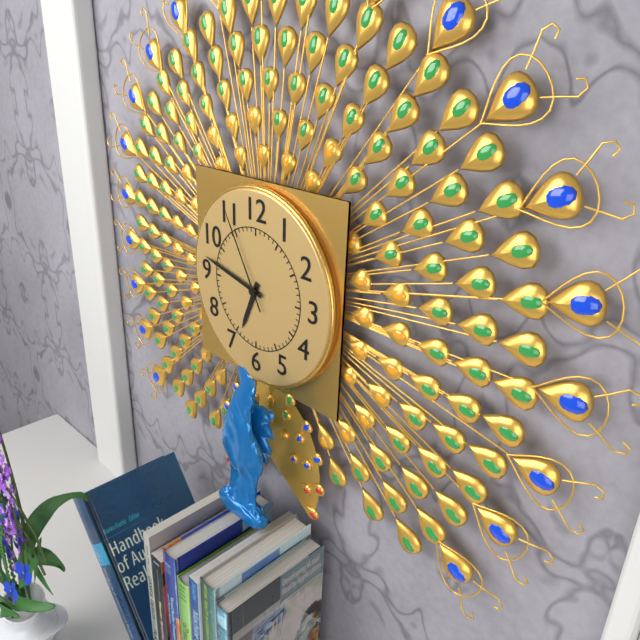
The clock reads 6.47.55
